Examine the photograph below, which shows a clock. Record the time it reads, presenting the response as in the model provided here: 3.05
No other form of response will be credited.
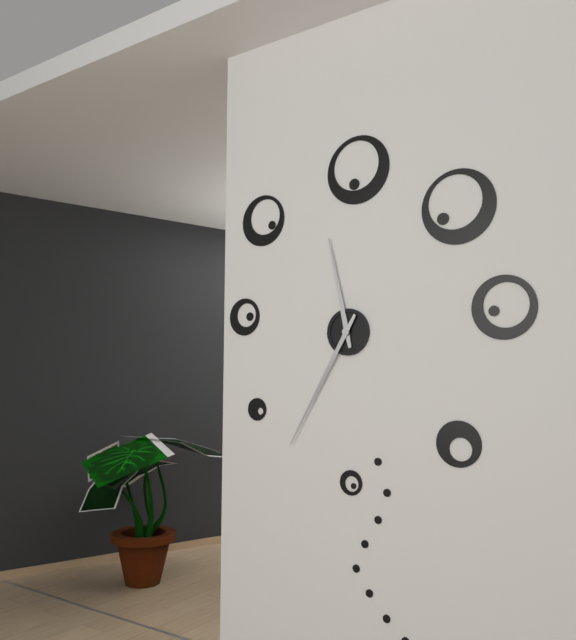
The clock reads 11.35
